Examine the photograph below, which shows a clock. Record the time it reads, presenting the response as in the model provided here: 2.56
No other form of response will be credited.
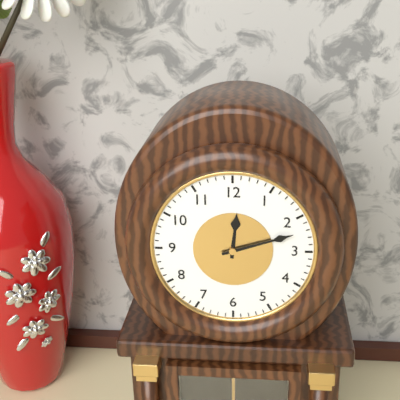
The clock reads 12.12
